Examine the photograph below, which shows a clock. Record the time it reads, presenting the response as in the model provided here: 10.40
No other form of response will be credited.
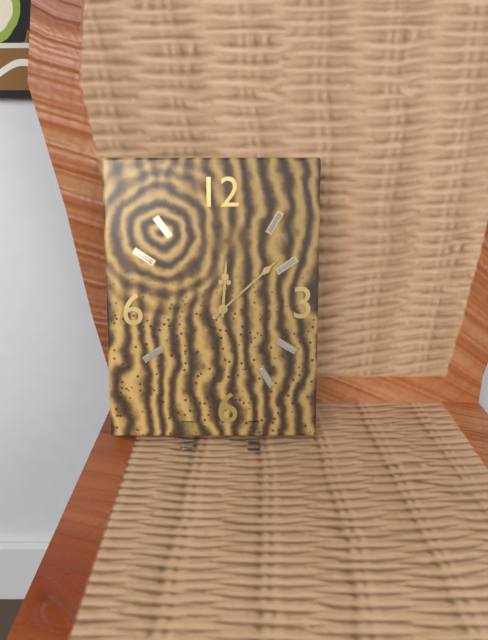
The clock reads 12.08
